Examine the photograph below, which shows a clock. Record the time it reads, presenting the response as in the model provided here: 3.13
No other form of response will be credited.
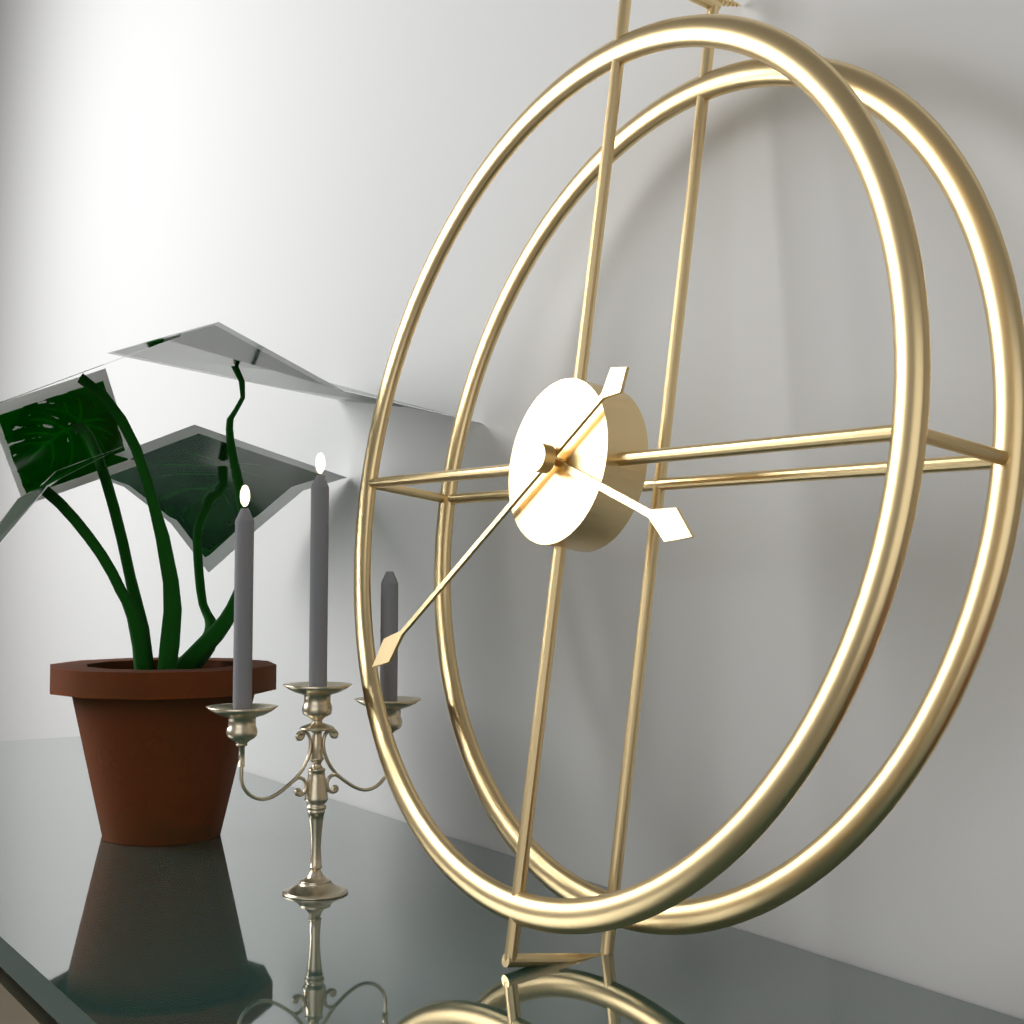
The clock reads 3.39
